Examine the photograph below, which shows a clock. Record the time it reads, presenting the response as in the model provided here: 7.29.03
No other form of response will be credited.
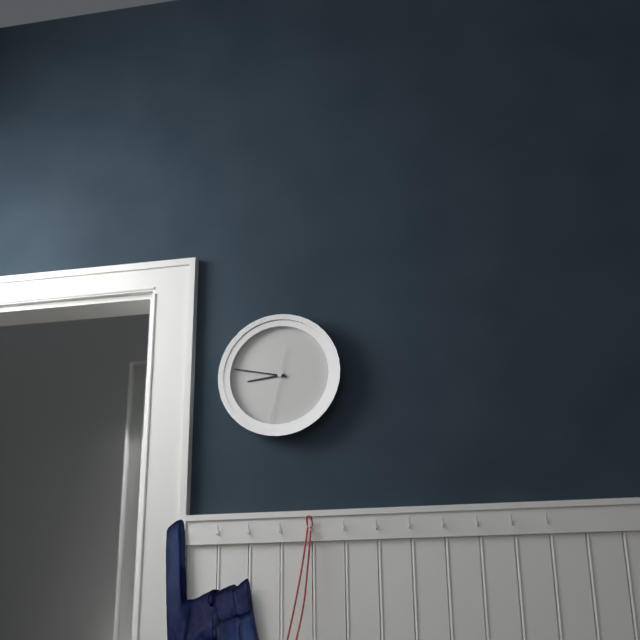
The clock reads 8.47.32
